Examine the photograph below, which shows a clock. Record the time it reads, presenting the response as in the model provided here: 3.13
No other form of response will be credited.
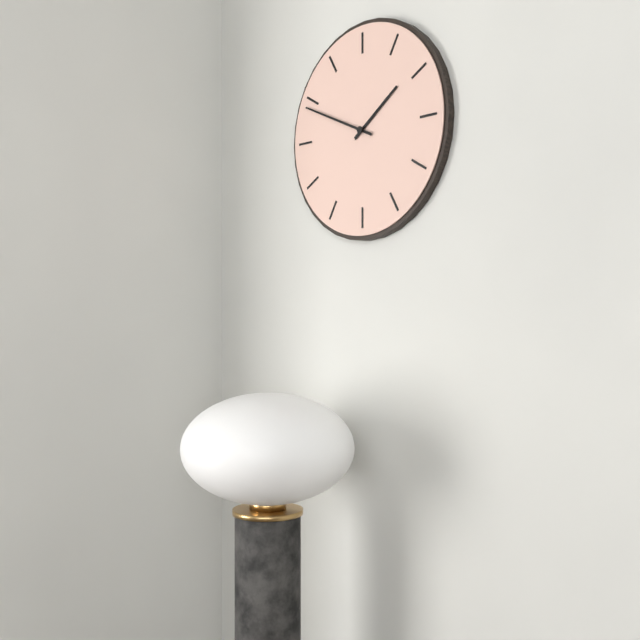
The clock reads 1.49
